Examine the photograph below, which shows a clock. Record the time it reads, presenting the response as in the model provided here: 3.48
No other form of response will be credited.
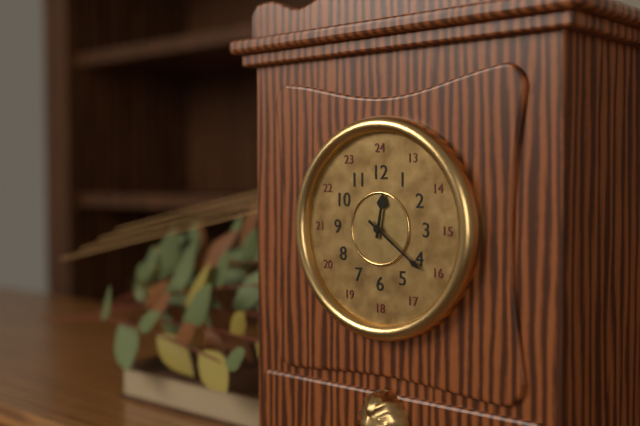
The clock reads 12.21
